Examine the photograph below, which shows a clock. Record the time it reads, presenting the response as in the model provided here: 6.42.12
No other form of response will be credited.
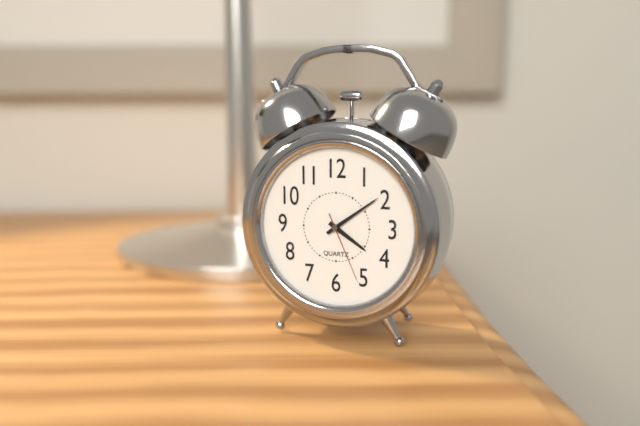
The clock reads 4.09.26
